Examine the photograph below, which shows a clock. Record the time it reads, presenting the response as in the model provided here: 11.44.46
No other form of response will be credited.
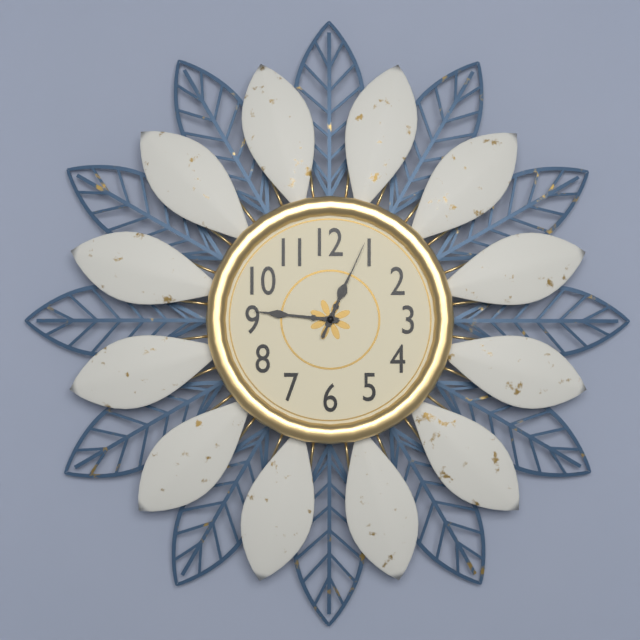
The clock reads 12.46.04
